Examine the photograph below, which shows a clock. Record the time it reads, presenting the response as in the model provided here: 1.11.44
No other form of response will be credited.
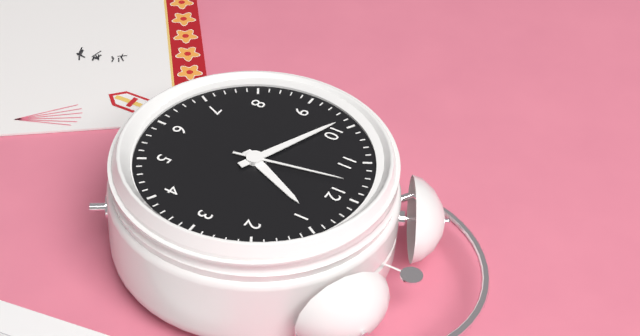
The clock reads 12.49.58
